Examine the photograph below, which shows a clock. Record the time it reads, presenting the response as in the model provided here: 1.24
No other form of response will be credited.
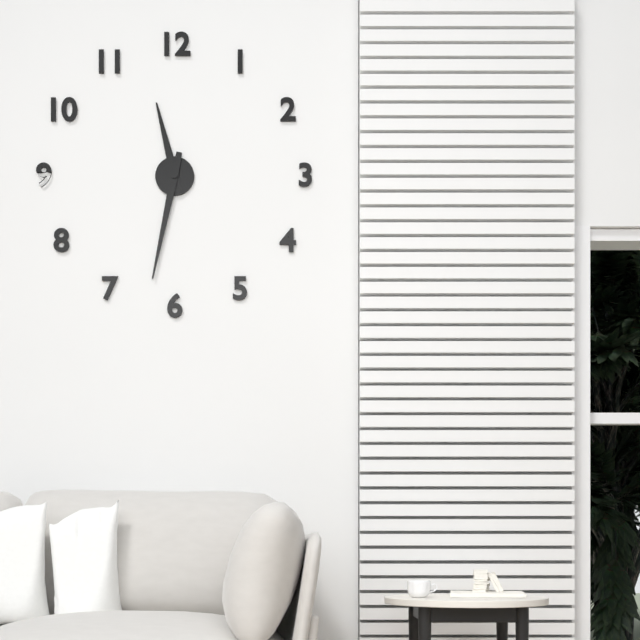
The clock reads 11.32
